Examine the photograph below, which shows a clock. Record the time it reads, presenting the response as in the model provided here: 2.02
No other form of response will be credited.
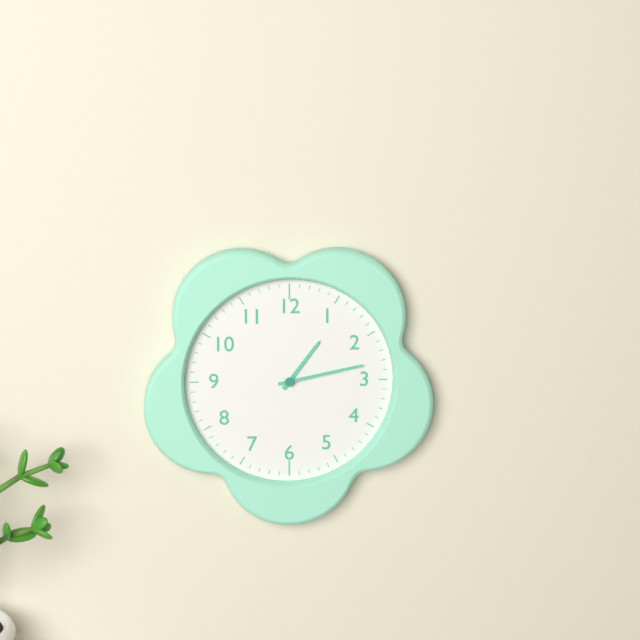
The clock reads 1.13
